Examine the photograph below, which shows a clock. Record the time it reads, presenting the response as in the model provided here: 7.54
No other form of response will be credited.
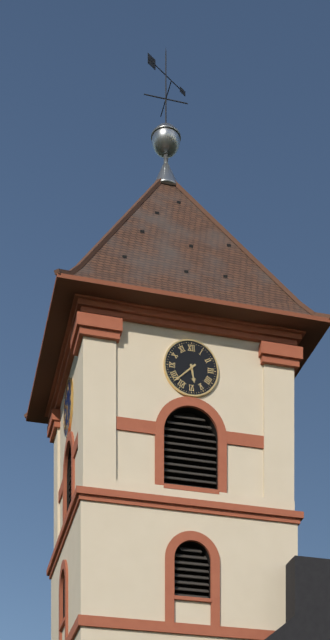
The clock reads 5.38
